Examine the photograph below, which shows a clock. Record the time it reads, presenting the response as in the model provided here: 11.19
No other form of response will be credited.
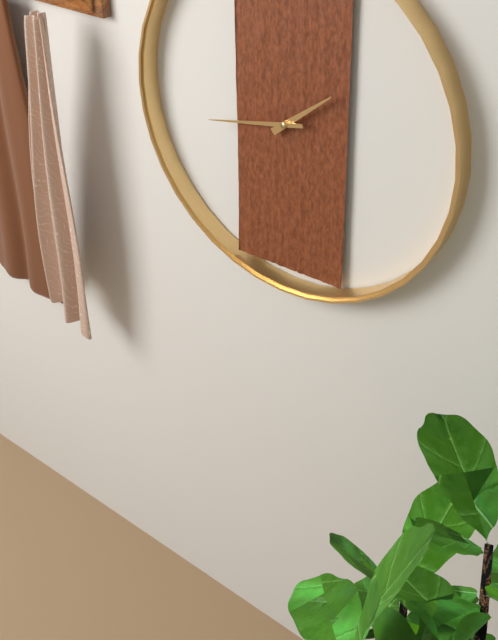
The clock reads 1.43
